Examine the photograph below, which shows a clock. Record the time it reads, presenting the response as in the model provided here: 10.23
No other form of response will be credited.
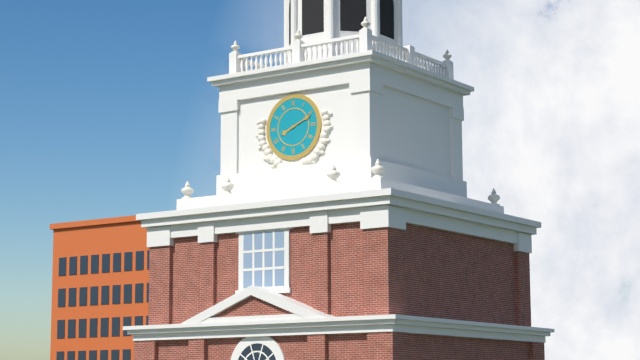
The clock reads 8.11
